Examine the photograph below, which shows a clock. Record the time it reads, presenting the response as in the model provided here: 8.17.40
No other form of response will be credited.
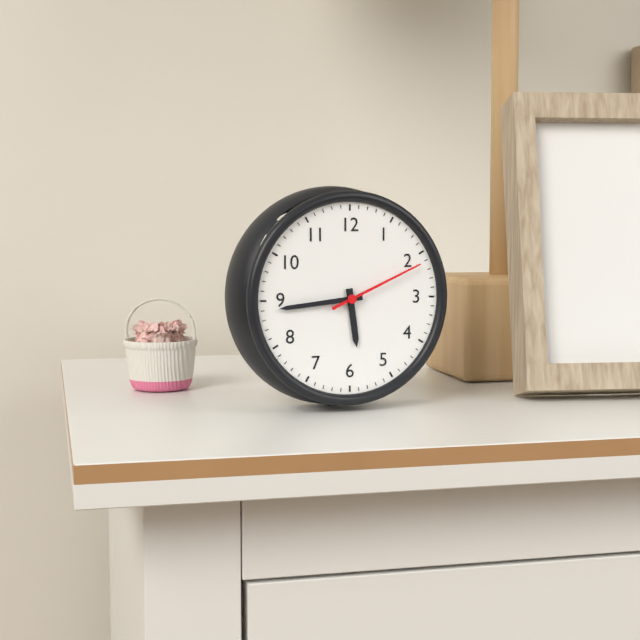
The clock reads 5.44.11
